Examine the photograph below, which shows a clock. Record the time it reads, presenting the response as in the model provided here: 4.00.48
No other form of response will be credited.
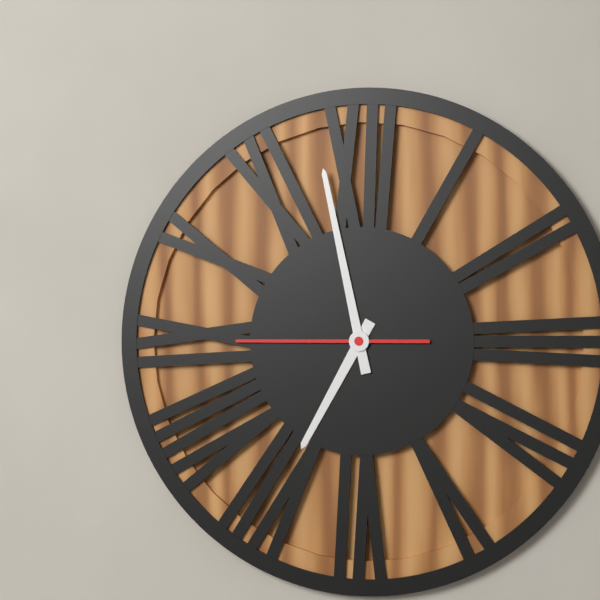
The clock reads 6.58.45
